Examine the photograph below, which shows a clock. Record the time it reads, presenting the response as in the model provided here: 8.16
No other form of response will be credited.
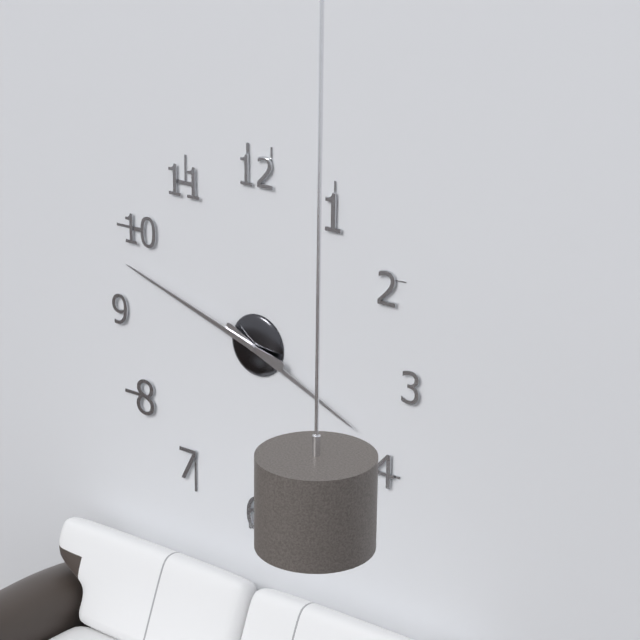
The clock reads 3.48
